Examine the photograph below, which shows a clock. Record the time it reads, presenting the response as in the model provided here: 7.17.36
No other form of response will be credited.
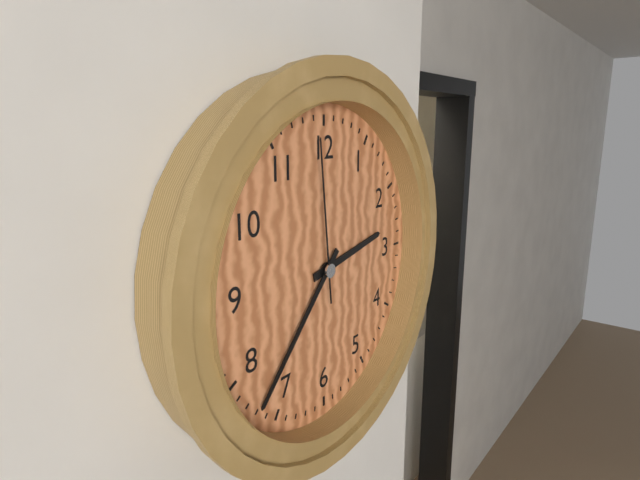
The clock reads 2.37.59
